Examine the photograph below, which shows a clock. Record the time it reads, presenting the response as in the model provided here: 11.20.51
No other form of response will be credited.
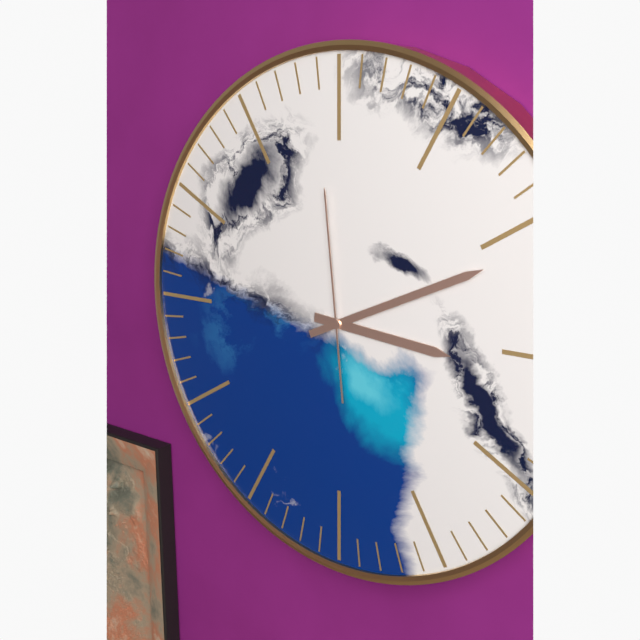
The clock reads 3.11.59
